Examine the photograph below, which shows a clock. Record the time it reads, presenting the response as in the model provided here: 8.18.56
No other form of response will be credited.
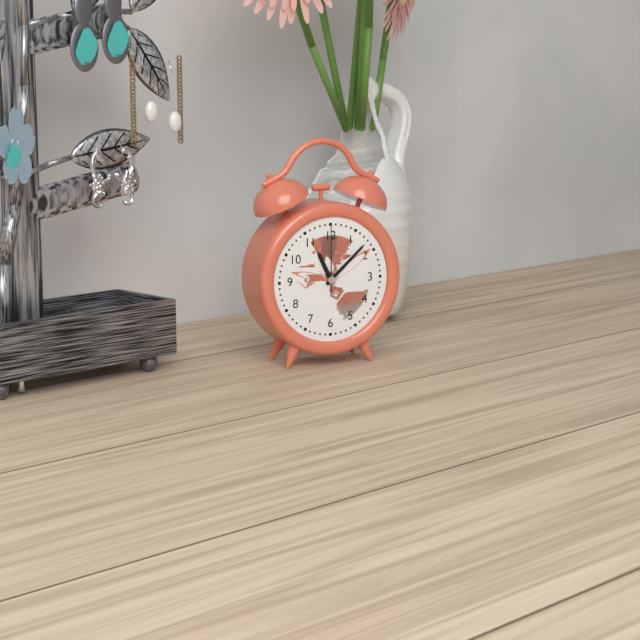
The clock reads 11.08.00
